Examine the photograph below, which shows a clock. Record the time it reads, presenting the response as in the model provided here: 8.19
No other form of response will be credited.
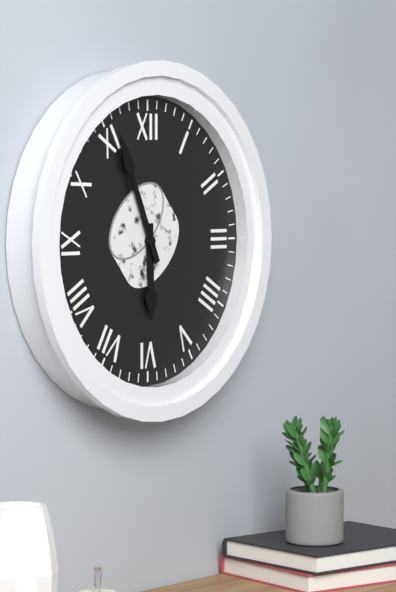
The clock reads 5.56
